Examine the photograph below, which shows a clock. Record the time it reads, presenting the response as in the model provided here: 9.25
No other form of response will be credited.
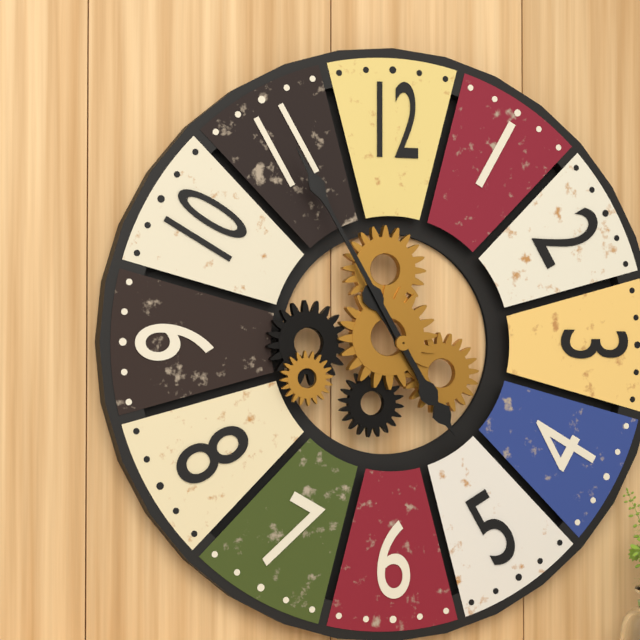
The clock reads 4.55
